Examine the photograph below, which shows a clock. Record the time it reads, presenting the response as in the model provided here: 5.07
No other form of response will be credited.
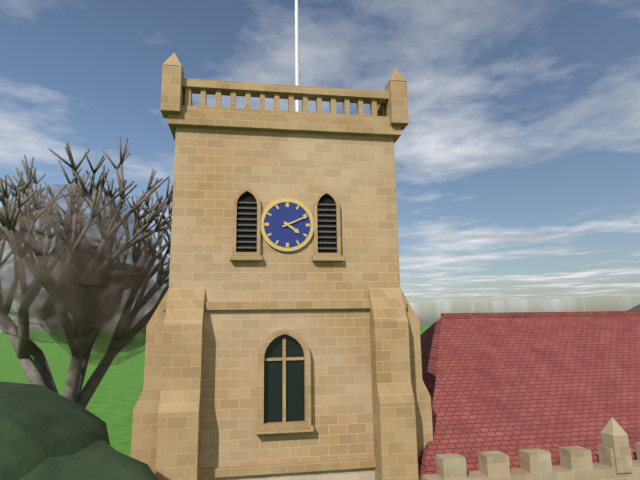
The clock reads 4.11
